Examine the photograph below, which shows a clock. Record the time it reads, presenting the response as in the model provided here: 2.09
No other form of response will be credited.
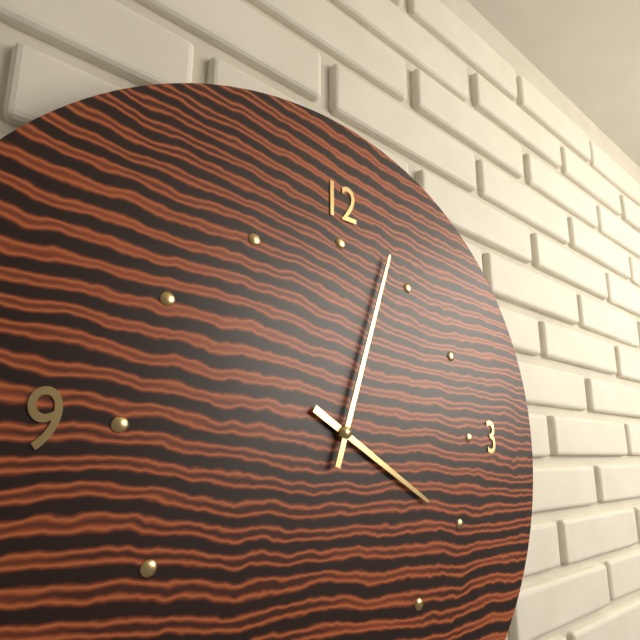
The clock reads 4.03
